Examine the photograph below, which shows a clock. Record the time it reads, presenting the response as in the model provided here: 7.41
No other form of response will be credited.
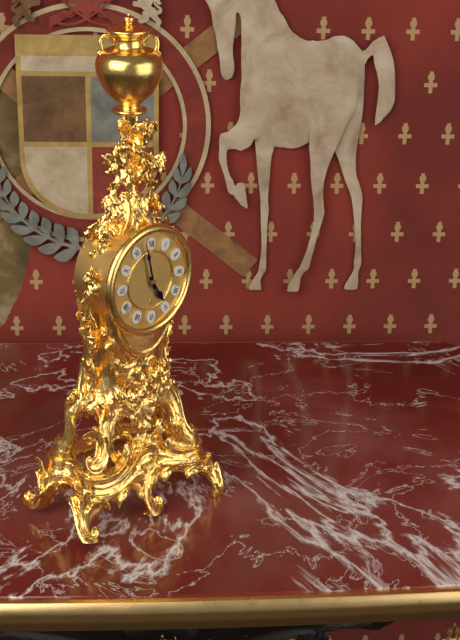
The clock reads 4.58
